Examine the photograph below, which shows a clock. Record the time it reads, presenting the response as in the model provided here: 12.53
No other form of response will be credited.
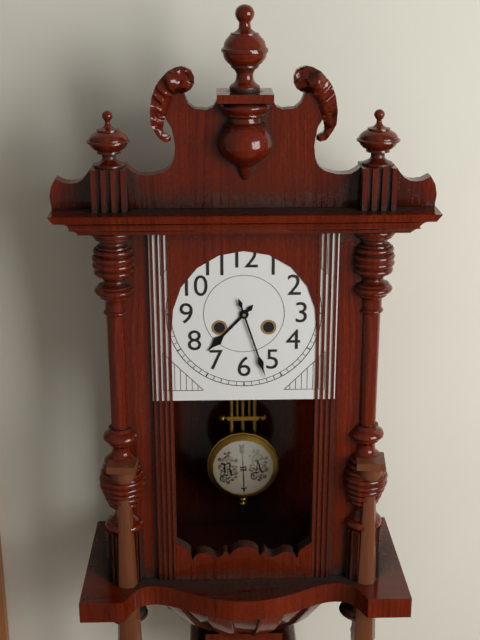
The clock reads 7.27
